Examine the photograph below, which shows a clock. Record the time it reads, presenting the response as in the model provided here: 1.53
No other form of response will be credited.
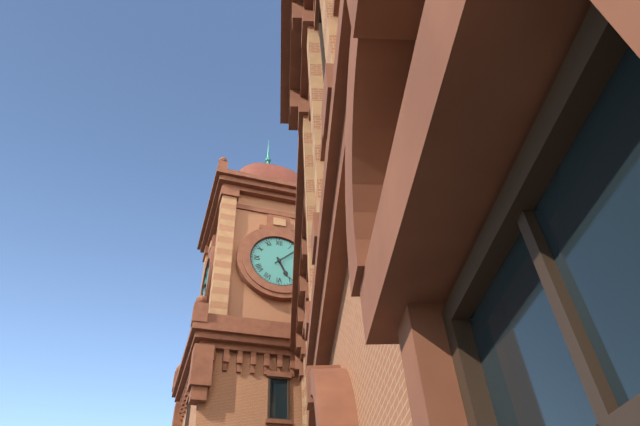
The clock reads 5.08
